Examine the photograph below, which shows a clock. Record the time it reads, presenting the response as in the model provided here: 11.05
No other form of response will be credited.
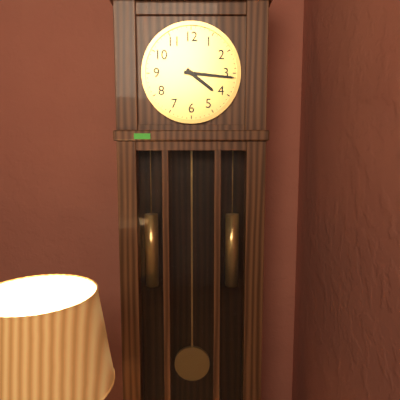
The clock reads 4.16
